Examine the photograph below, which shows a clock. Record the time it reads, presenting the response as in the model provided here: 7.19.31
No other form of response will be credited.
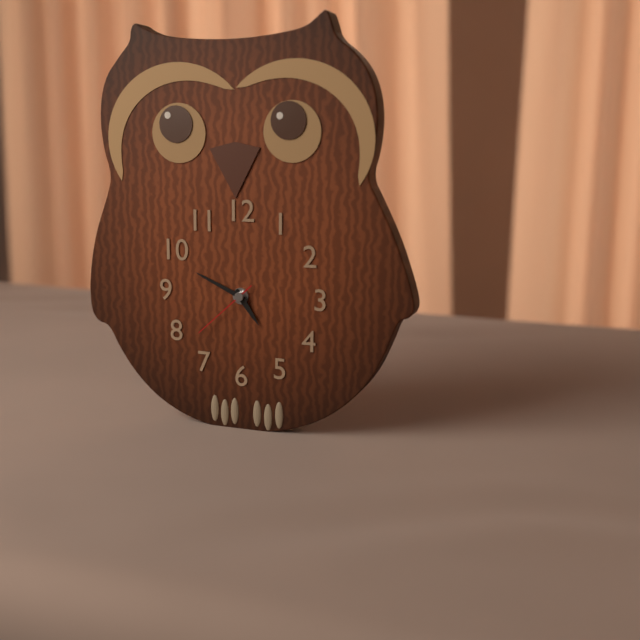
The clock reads 4.49.38
